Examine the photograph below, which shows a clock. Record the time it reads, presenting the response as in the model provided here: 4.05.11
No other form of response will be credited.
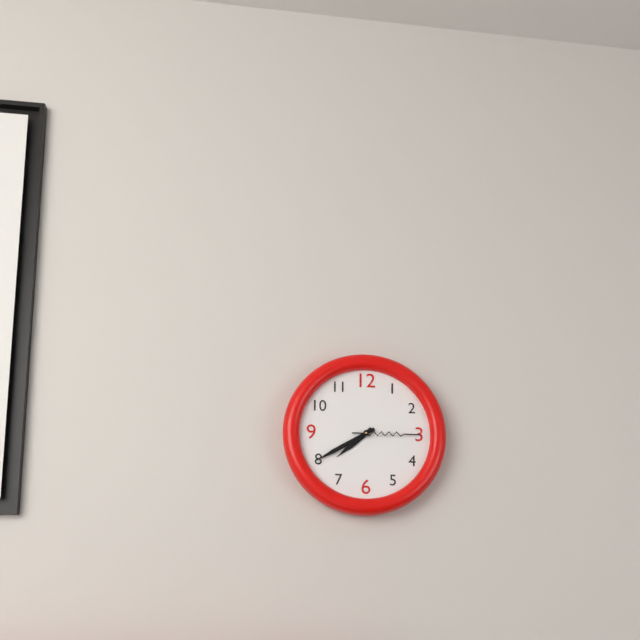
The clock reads 7.40.15
